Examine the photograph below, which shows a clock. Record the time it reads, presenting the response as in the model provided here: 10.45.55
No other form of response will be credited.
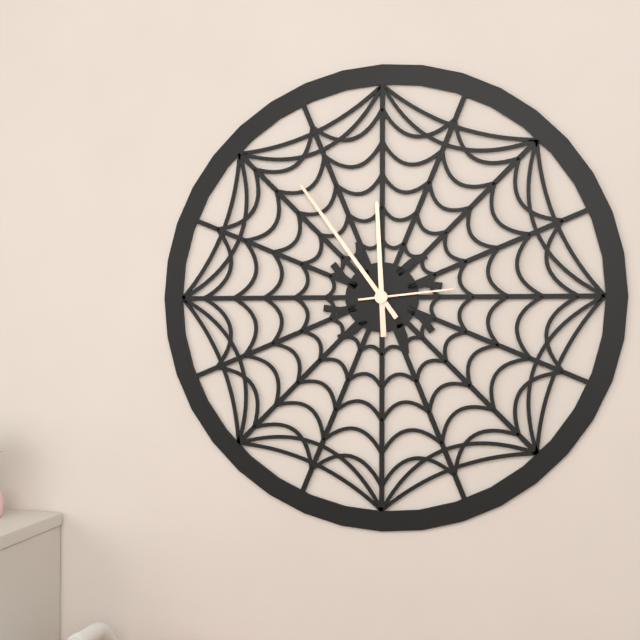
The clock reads 11.54.14
